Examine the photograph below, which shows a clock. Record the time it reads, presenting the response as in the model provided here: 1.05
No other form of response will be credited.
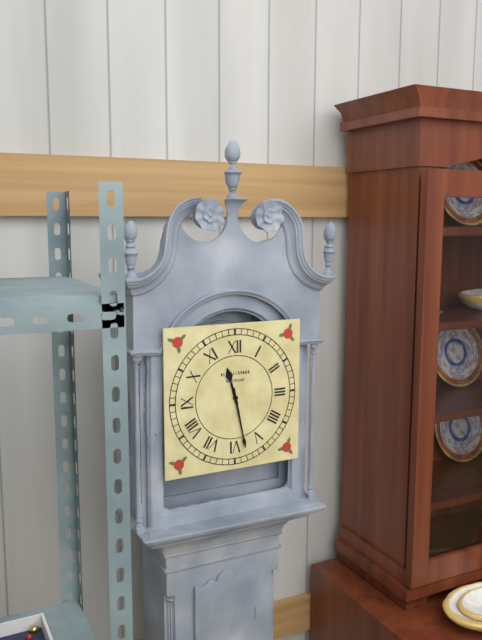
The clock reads 11.28
